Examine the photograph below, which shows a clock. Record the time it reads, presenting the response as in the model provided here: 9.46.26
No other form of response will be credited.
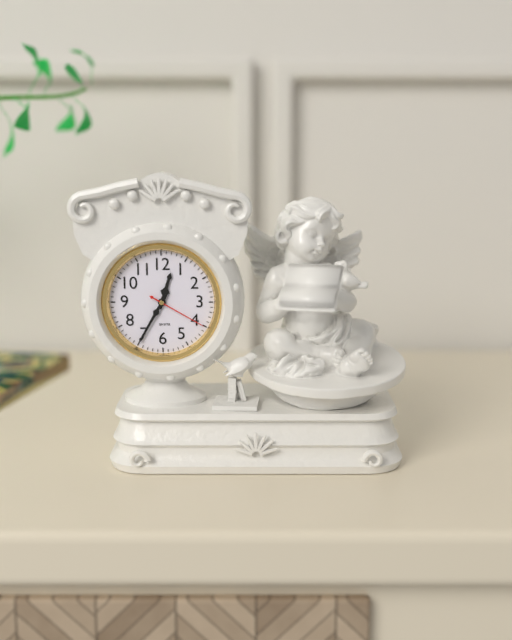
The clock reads 12.35.20
